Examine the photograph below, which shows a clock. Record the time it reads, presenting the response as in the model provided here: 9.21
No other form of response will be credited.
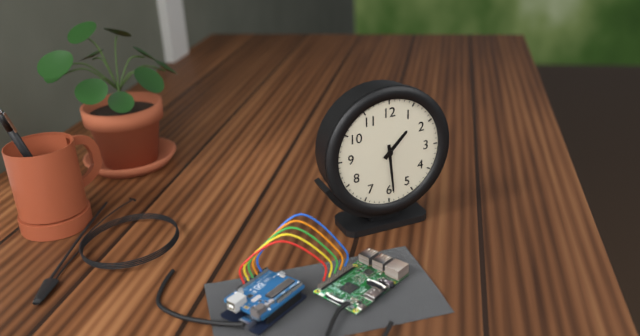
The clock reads 1.29
